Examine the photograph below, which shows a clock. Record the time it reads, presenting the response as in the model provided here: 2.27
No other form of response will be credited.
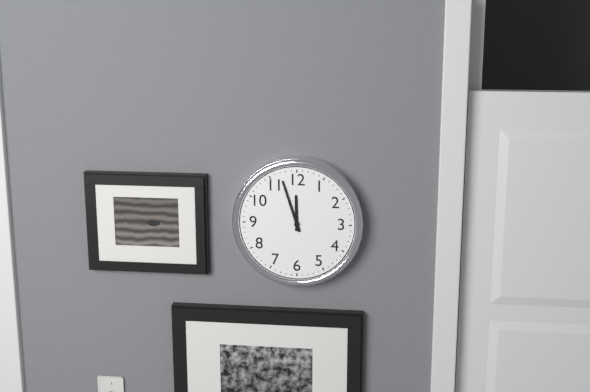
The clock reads 11.57
